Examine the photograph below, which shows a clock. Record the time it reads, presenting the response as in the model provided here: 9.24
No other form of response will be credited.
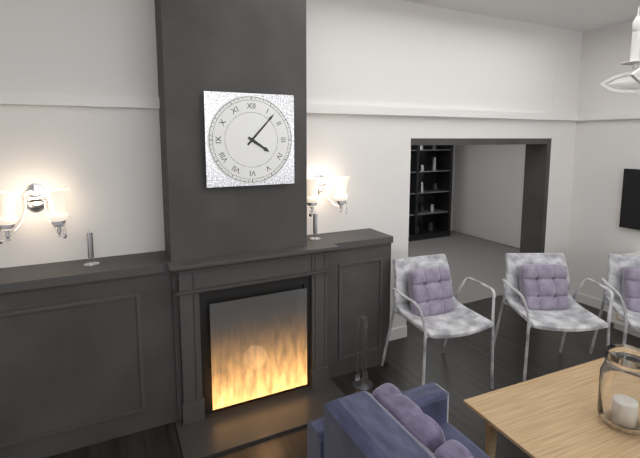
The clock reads 4.07
